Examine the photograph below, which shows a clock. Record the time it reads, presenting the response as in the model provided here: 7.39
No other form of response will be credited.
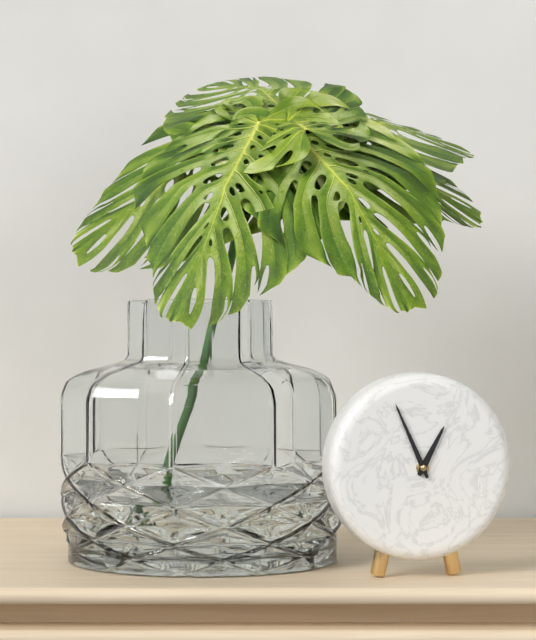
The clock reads 12.56
